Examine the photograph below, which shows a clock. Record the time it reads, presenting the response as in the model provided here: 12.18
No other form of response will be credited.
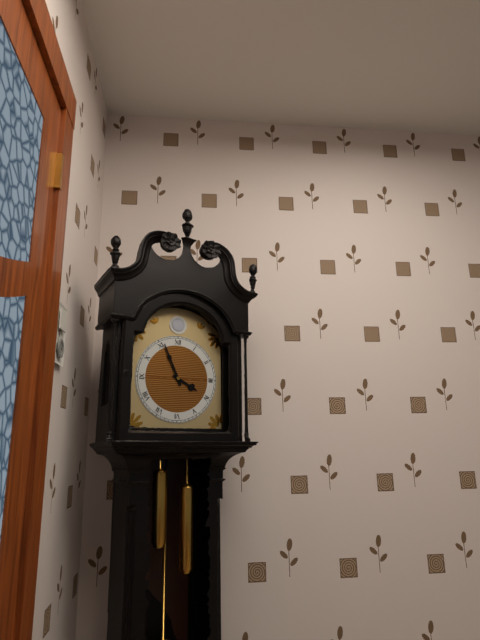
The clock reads 3.56
